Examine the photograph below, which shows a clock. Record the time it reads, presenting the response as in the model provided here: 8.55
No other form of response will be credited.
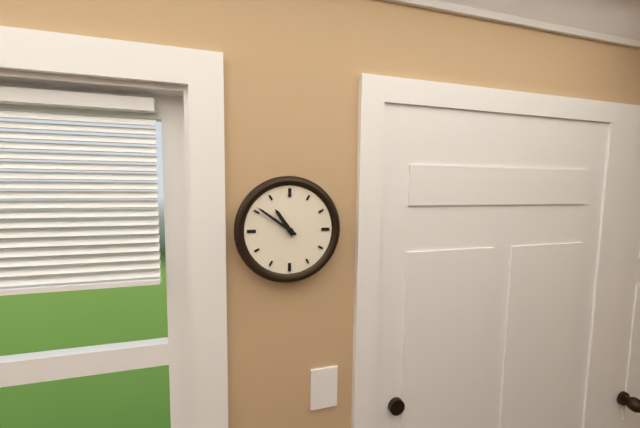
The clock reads 10.51
